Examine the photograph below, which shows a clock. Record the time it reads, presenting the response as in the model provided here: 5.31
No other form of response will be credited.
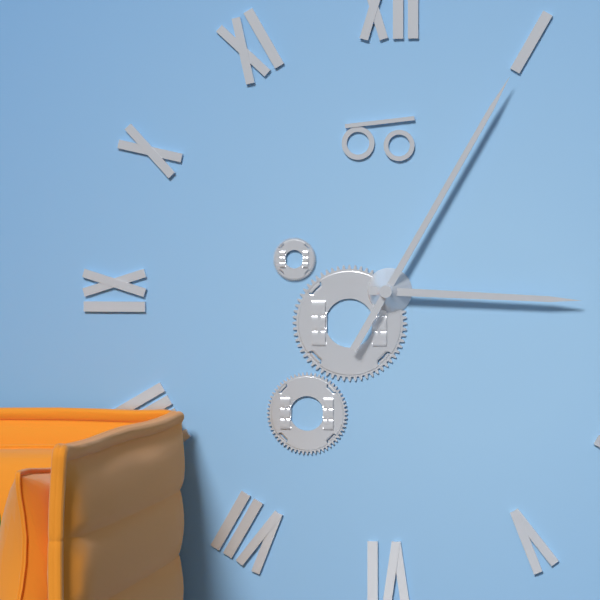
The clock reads 3.05
